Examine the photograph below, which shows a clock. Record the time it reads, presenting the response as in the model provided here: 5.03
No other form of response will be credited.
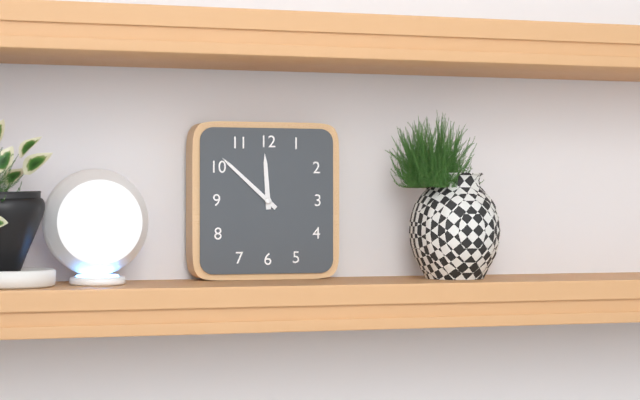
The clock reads 11.52
